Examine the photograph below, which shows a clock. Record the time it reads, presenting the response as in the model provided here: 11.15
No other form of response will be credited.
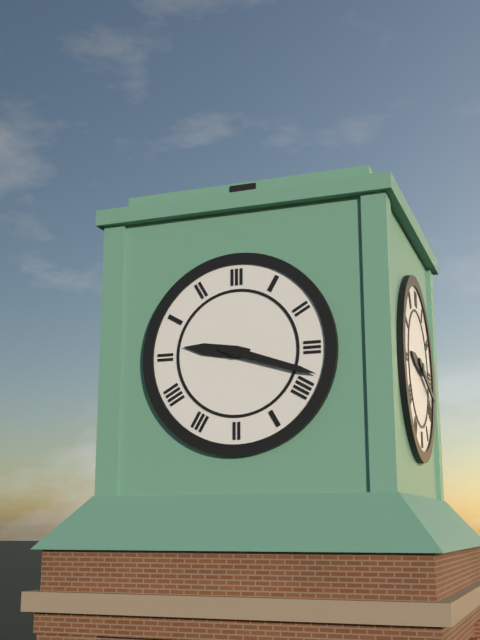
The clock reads 9.18
